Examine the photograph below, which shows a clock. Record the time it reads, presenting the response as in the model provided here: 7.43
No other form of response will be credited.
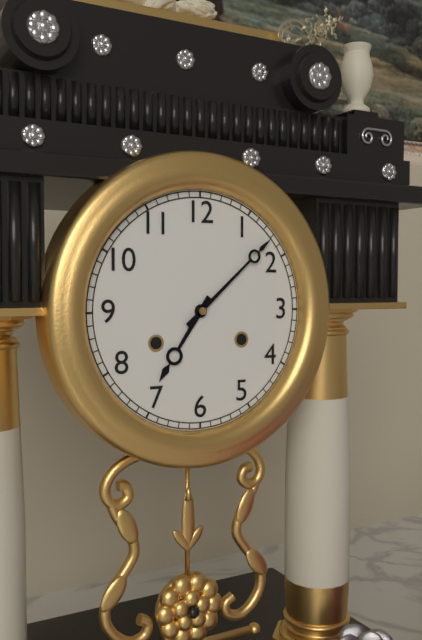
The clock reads 7.08
